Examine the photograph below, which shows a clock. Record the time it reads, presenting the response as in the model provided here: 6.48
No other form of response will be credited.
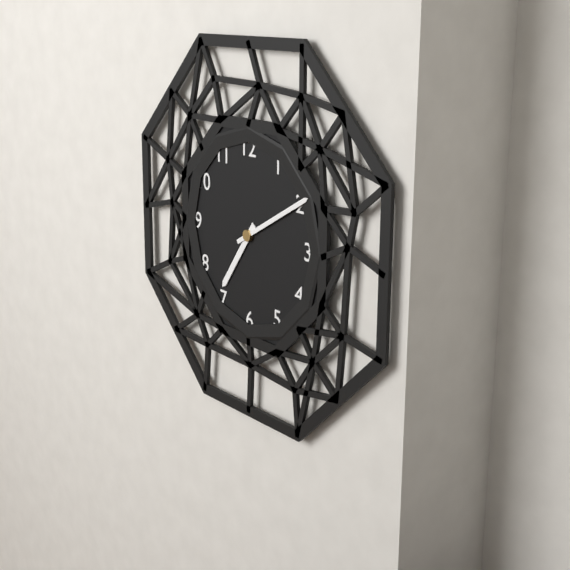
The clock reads 7.10
